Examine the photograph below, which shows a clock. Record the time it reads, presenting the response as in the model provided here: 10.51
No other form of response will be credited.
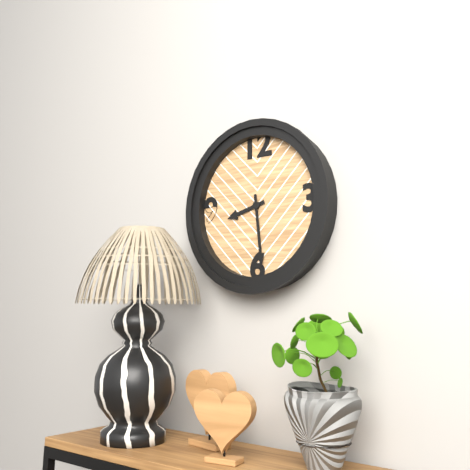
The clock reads 8.29
